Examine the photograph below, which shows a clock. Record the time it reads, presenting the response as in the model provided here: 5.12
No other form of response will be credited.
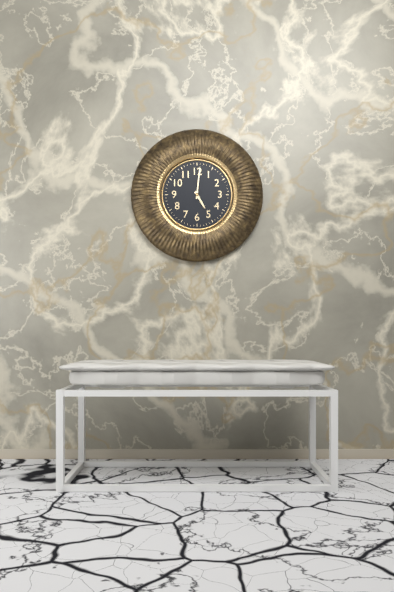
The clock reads 5.01
